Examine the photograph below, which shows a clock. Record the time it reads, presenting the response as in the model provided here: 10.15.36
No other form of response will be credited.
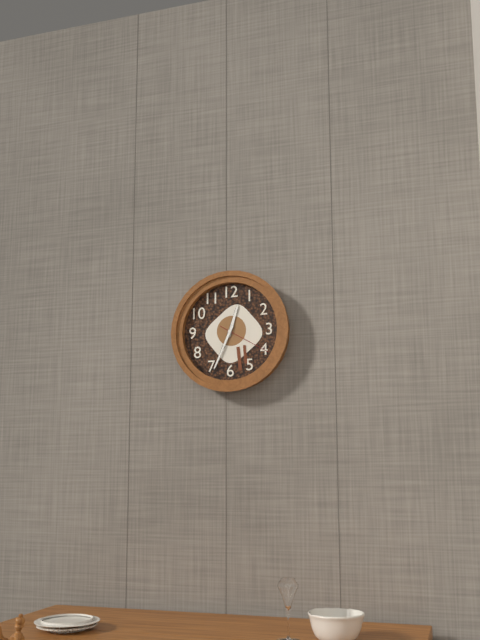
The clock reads 12.34.20
